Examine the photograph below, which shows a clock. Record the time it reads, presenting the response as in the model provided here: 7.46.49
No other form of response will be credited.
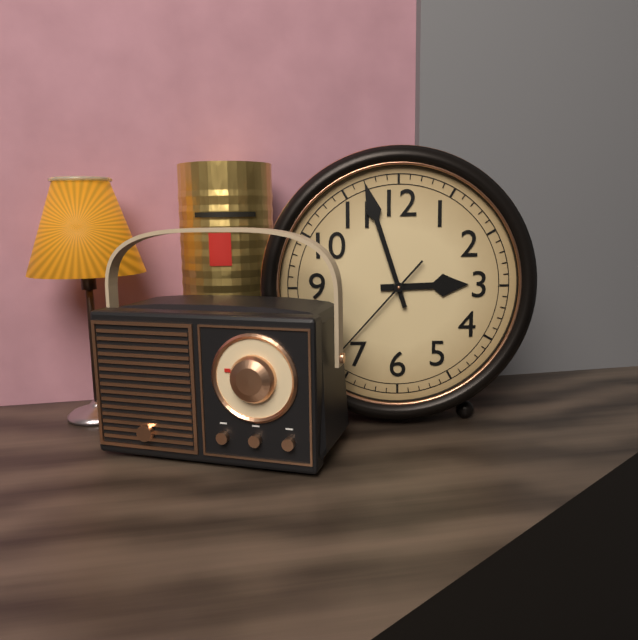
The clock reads 2.57.37
